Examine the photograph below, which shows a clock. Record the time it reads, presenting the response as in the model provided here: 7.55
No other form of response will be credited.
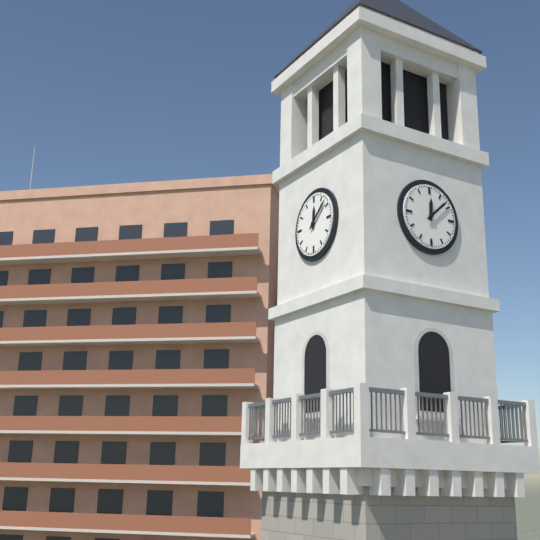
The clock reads 12.08
